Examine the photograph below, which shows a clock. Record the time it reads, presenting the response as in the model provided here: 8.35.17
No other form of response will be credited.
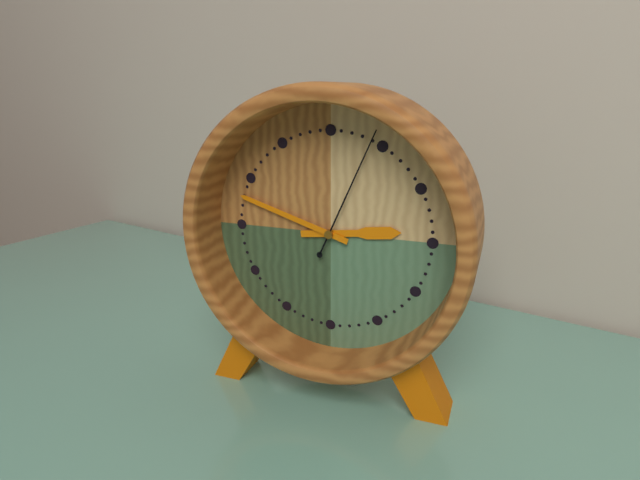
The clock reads 2.48.04
